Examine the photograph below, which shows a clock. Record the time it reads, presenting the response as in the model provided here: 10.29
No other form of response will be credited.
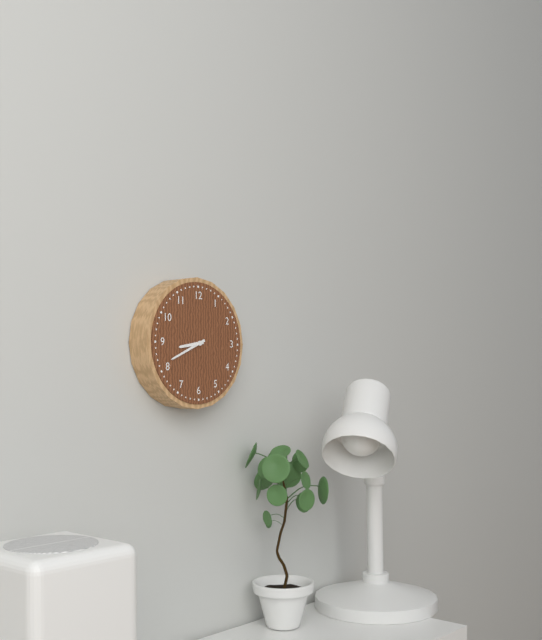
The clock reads 8.41
